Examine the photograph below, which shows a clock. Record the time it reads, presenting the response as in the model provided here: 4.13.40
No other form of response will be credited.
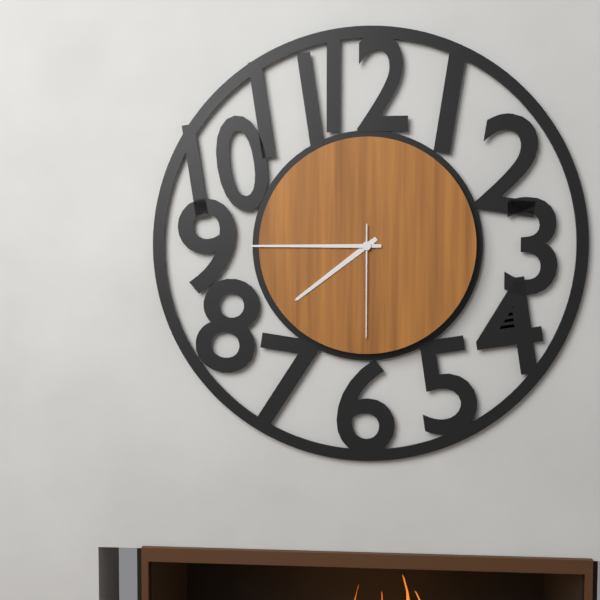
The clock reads 7.45.30
